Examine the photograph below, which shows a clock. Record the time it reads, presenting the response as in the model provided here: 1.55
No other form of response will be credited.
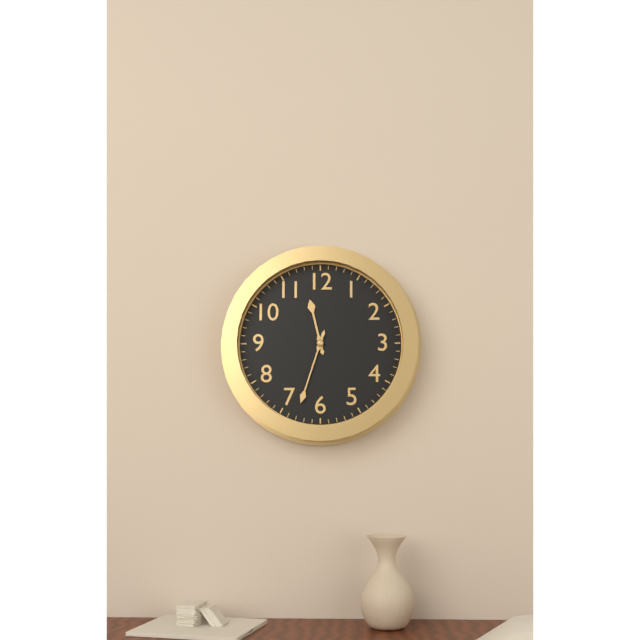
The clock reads 11.33
